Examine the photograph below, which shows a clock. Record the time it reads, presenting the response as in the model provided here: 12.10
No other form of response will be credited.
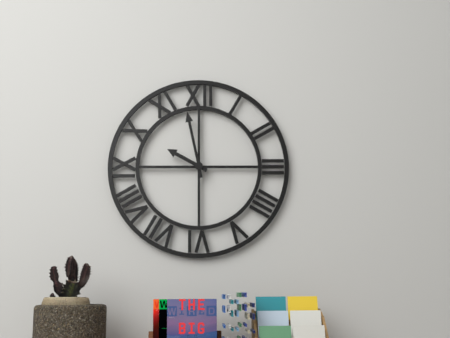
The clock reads 9.58
